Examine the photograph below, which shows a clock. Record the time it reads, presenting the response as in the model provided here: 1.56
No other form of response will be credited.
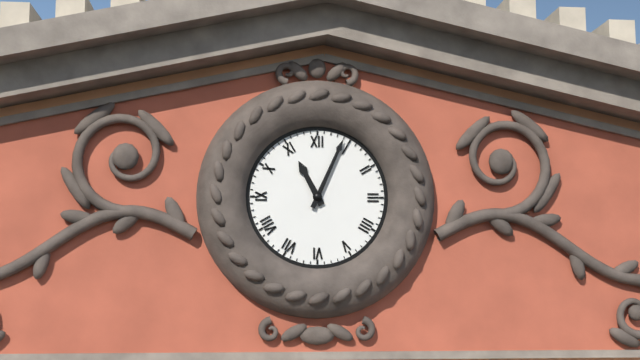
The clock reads 11.04
